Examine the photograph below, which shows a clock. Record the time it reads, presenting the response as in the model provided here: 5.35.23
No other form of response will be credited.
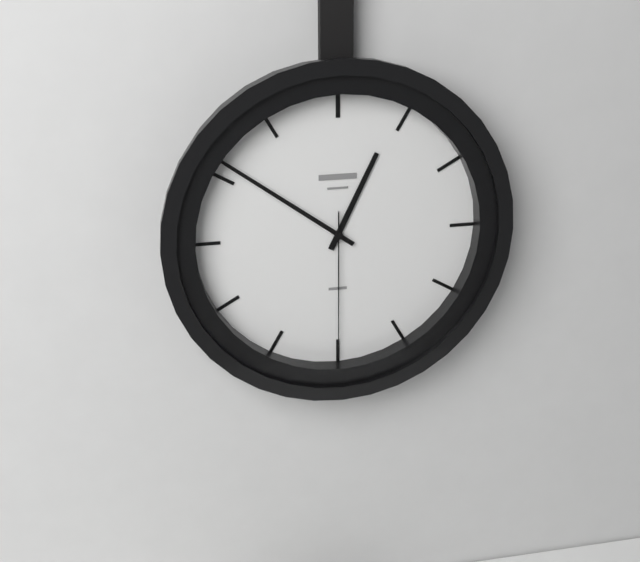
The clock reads 12.51.30
